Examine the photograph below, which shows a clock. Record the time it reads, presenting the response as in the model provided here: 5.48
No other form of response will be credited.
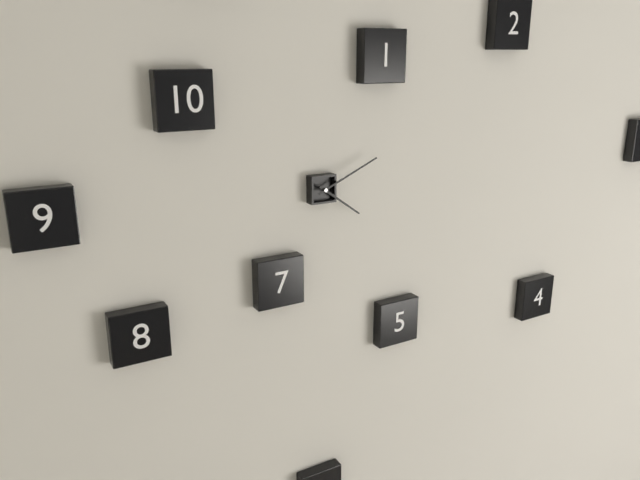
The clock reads 4.11
